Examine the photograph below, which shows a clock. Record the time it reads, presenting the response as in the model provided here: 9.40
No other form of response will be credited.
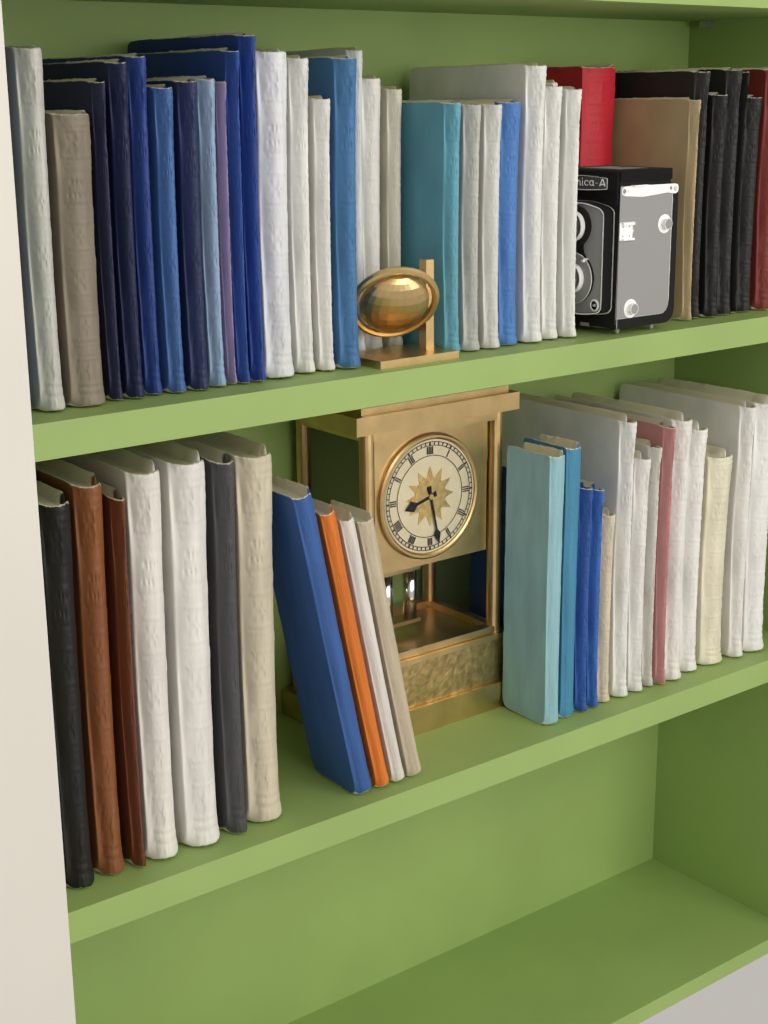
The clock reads 8.28
